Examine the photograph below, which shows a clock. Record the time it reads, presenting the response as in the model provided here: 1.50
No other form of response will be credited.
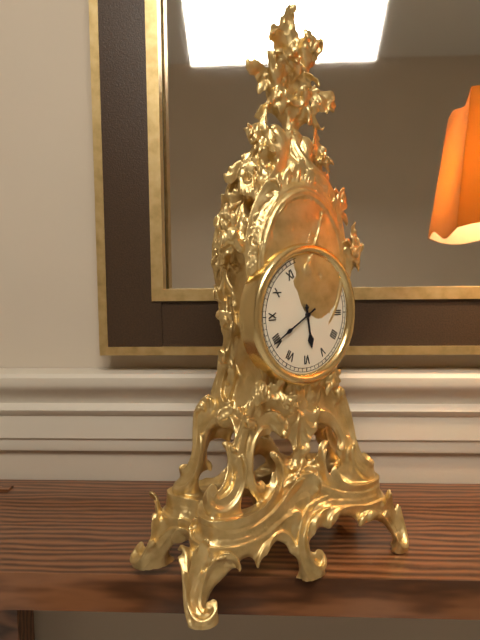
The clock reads 5.40
